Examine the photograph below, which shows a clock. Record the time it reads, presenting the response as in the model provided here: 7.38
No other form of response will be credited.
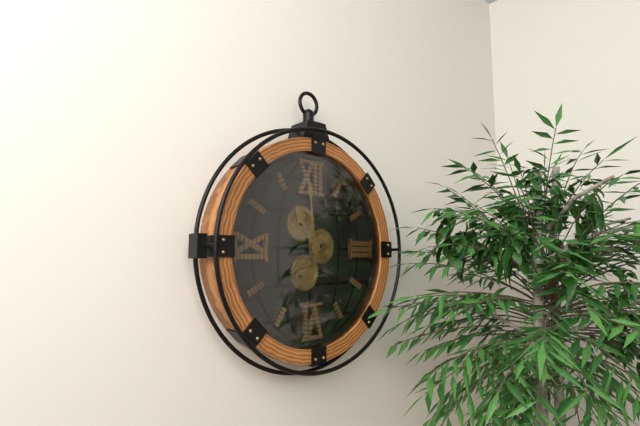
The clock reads 10.59
